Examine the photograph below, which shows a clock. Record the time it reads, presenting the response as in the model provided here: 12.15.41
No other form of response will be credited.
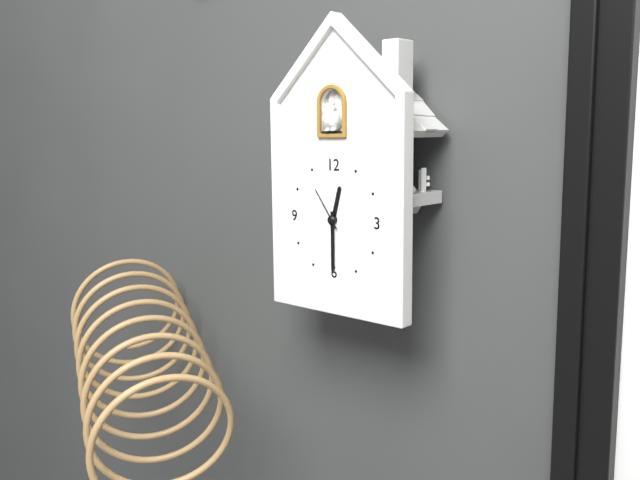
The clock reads 12.30.54
